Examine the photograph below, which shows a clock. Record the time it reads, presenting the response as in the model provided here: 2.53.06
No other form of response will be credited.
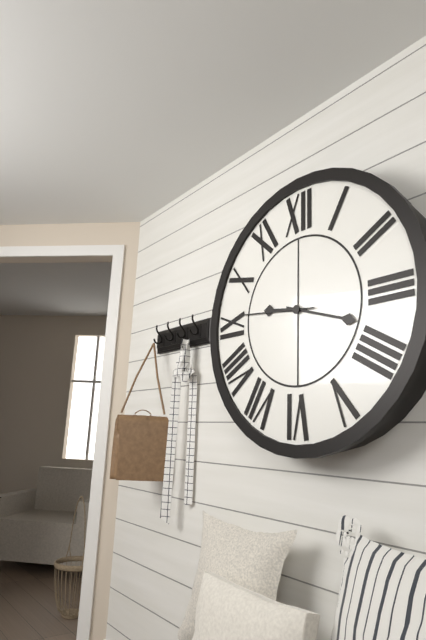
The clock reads 9.18.46
